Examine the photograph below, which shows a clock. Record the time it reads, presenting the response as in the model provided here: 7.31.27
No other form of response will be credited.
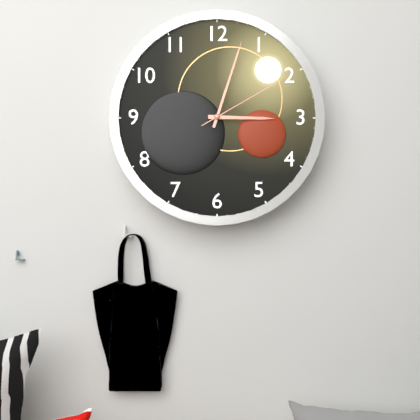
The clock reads 3.03.10
